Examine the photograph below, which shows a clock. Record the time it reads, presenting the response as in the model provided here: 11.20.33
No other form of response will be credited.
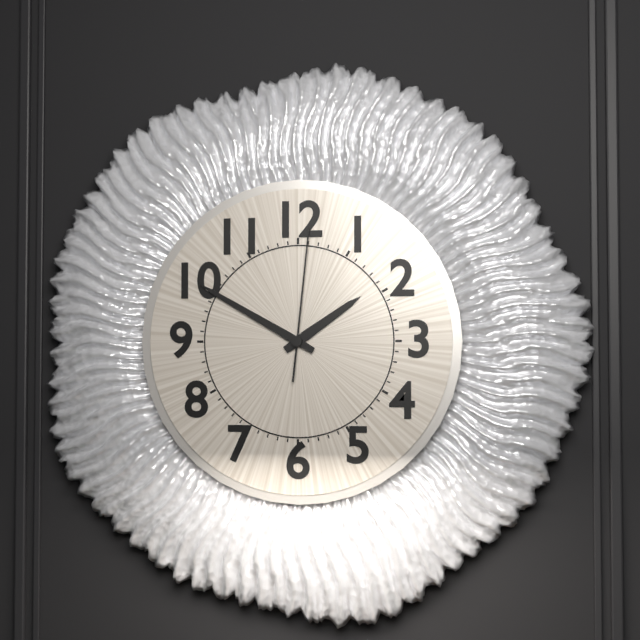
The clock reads 1.50.01
